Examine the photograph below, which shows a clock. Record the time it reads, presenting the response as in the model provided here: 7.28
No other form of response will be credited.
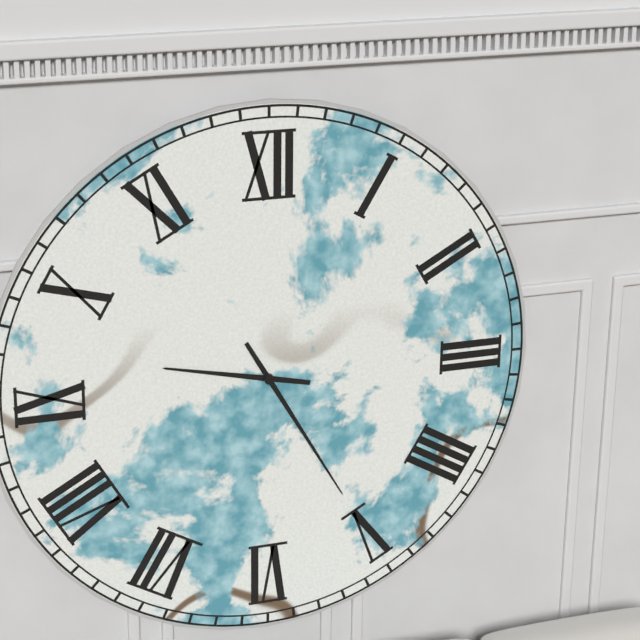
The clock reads 9.25
